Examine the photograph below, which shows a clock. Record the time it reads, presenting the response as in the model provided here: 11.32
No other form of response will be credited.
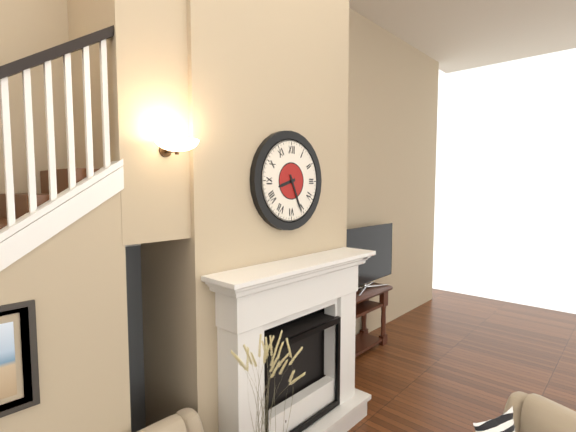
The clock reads 8.26
